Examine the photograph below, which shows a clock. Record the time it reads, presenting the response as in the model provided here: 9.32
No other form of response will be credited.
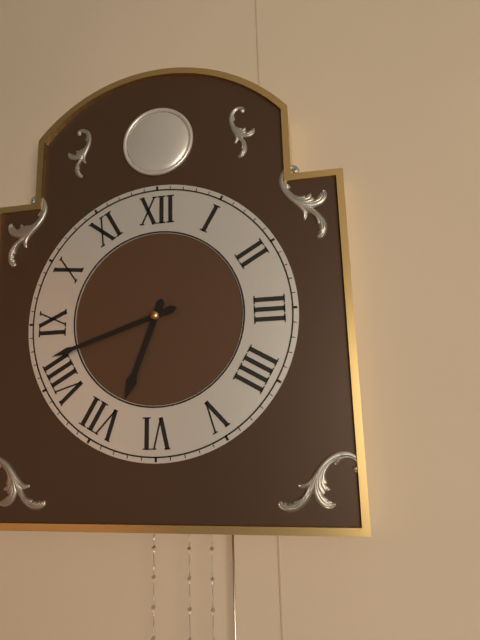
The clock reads 6.42
